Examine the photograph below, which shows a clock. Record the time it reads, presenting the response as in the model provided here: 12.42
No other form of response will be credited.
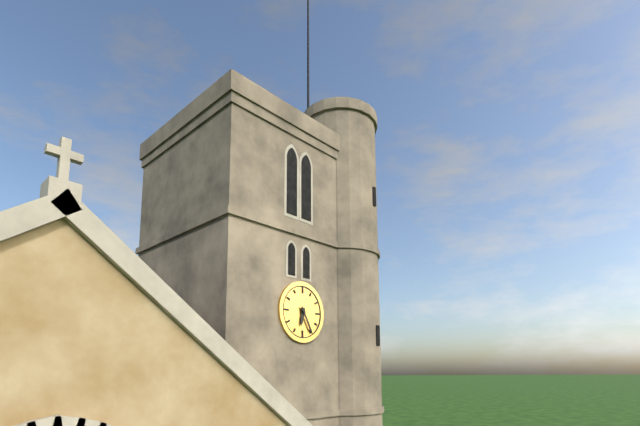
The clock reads 6.25
